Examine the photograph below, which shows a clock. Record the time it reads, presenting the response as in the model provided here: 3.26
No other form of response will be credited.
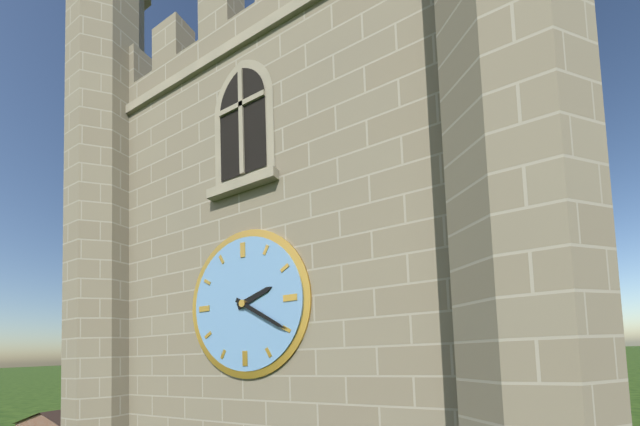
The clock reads 2.20
